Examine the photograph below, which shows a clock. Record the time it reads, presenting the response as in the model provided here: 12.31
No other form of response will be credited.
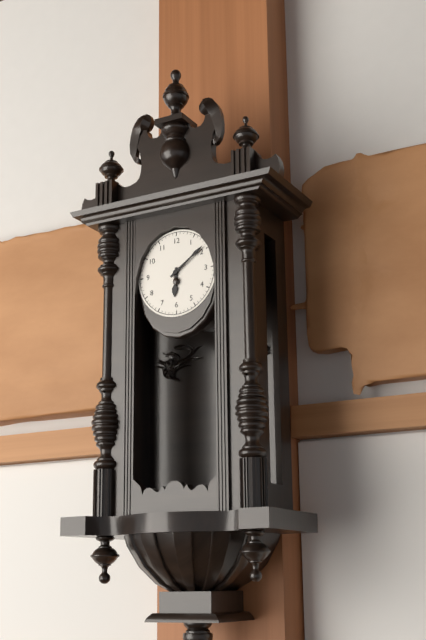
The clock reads 6.09
